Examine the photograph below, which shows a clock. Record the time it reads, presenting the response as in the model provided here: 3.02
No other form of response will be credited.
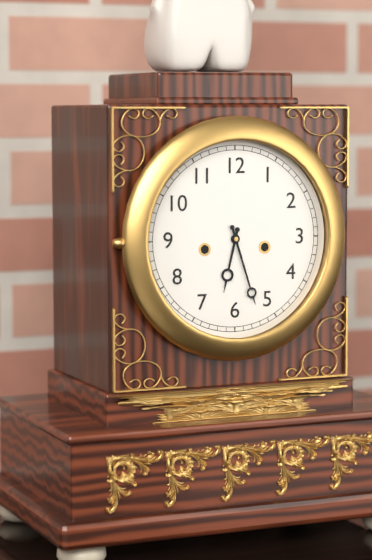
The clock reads 6.27
